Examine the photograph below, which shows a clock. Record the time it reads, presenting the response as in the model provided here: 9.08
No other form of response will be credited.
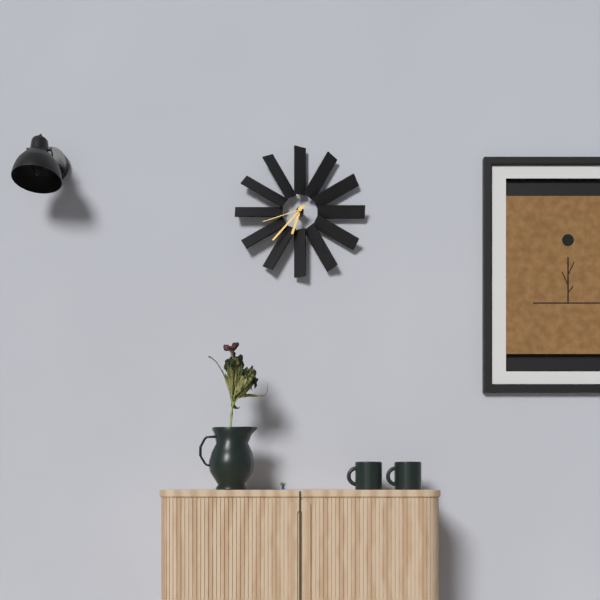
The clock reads 6.37
